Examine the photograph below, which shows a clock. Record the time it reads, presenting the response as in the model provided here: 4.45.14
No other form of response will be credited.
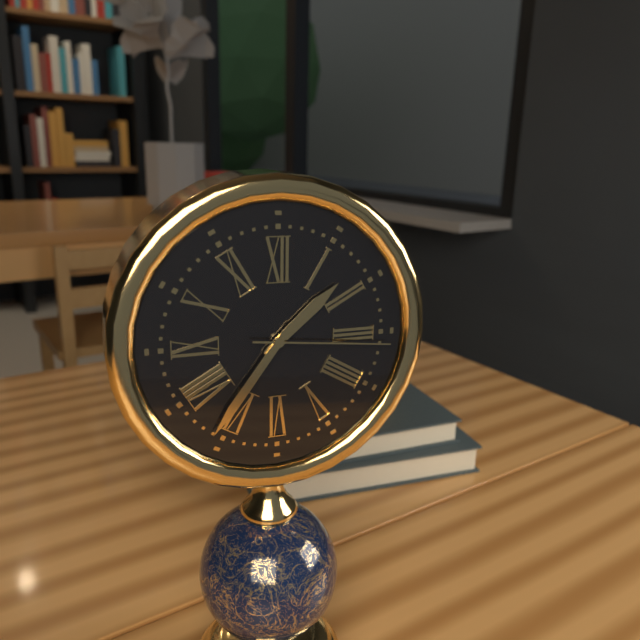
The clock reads 1.36.16
